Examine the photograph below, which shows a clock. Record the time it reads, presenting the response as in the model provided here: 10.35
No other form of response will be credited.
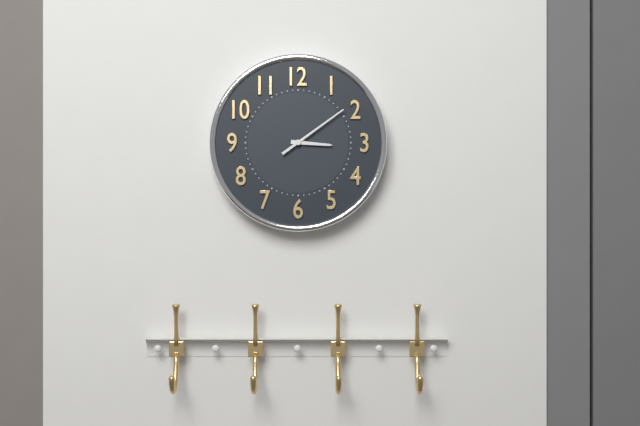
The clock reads 3.09
